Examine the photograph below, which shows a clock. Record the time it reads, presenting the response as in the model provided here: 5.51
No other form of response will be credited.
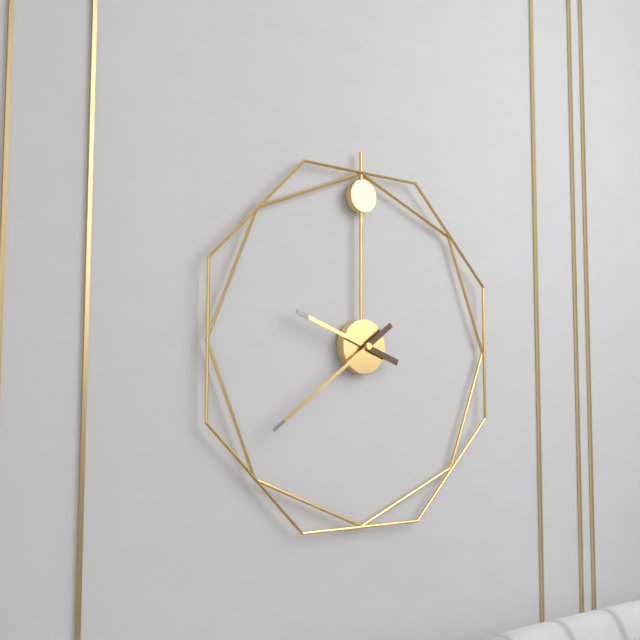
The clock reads 9.39
